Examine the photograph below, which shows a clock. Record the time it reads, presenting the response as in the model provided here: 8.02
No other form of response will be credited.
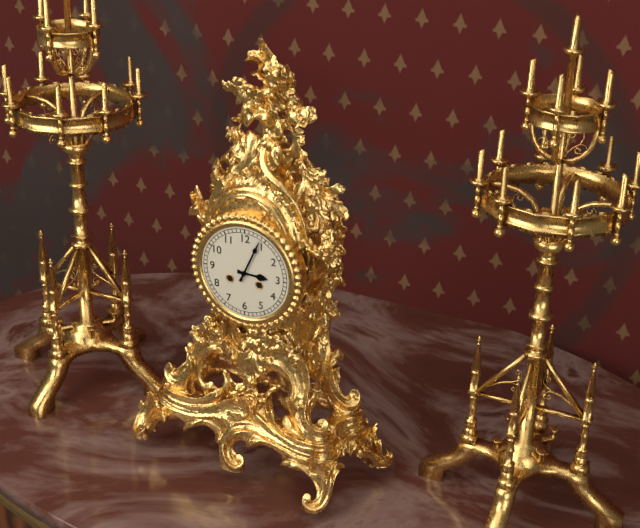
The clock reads 3.04
